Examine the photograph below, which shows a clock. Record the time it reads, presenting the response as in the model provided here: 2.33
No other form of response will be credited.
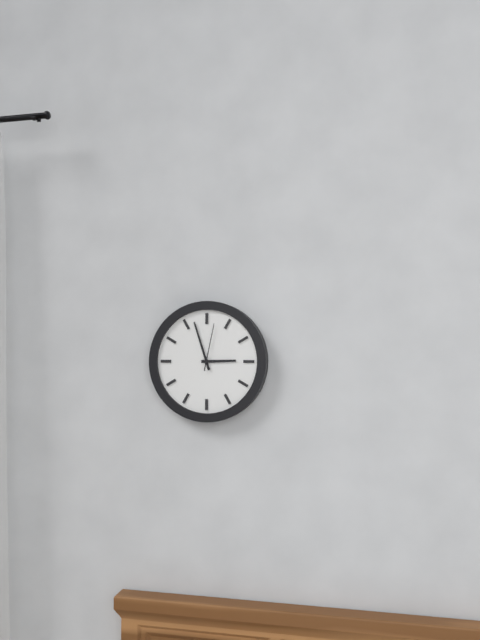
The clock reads 2.57
